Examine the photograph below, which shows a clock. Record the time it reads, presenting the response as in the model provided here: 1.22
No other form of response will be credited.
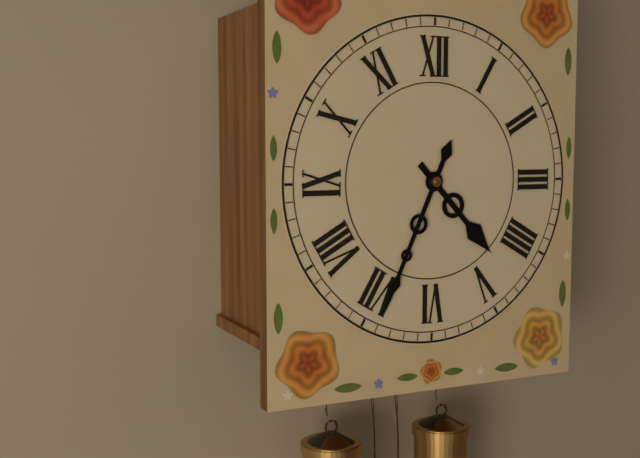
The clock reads 4.34
